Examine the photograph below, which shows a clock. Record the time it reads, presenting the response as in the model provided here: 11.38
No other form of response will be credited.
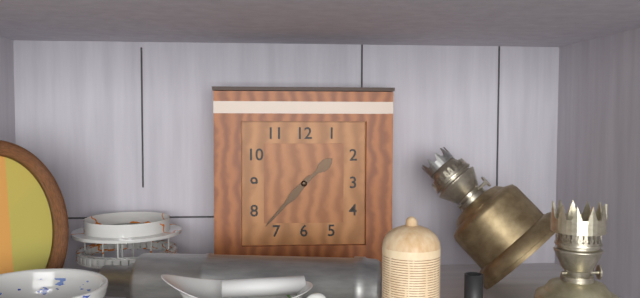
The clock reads 1.37
